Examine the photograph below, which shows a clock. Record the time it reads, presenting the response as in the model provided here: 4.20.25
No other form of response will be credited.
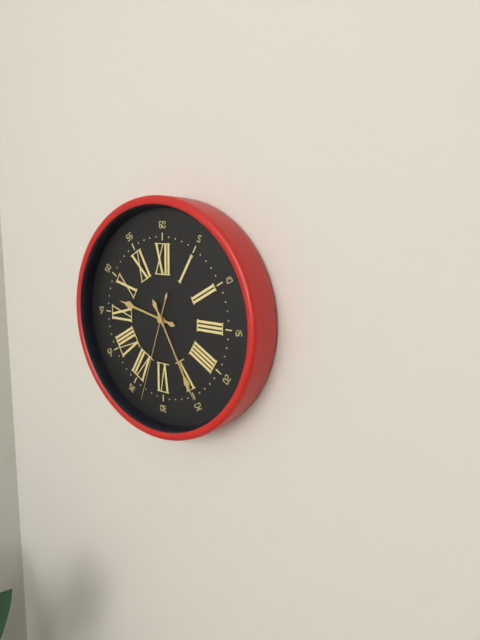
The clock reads 9.25.33
